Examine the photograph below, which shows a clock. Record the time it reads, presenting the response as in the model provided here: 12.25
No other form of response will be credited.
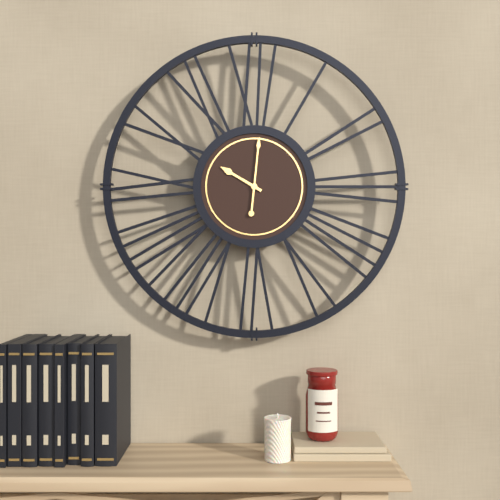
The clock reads 10.01
